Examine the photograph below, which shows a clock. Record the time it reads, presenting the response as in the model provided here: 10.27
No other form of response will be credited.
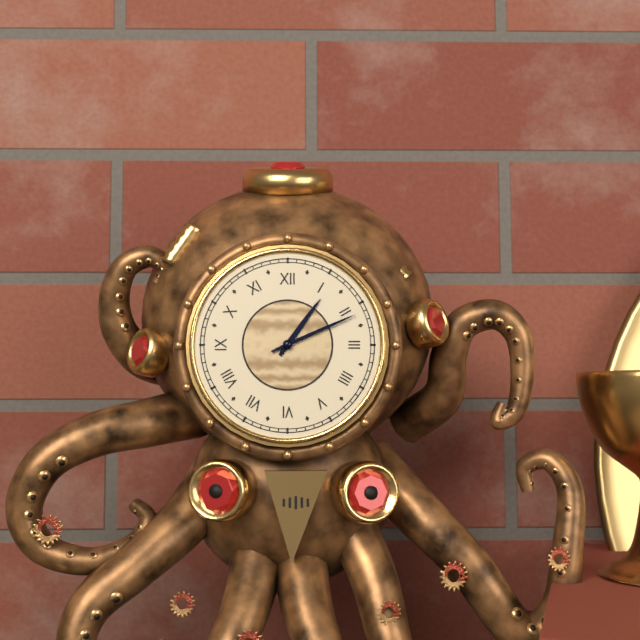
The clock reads 1.11
